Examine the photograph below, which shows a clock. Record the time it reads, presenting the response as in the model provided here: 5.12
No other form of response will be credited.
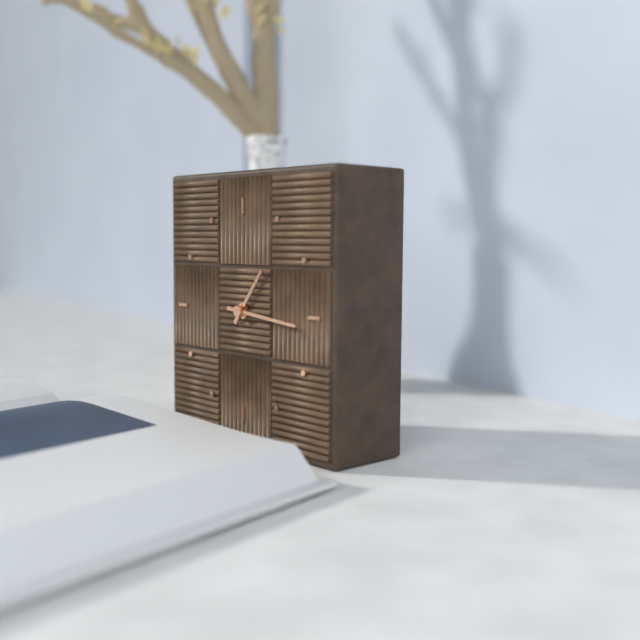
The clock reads 1.16
